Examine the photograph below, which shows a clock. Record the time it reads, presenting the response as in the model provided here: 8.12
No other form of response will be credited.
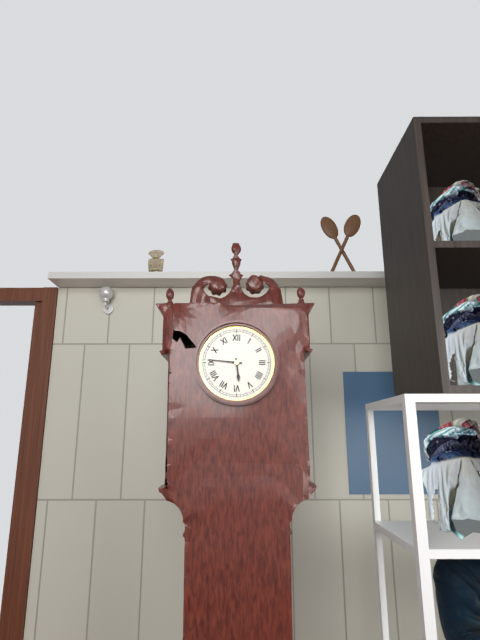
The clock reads 5.46
